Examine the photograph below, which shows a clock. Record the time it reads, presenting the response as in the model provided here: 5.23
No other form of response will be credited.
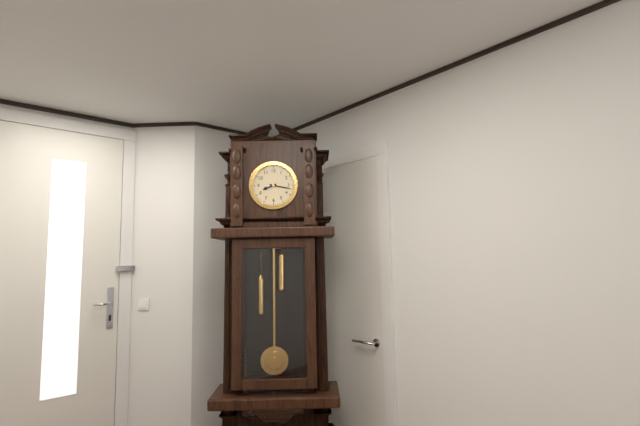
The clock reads 8.17
